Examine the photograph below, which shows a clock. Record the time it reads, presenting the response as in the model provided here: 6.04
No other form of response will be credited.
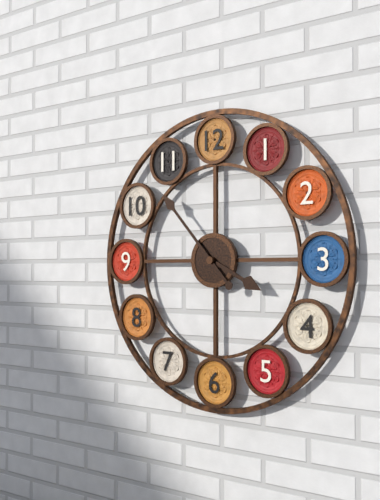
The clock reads 3.53
